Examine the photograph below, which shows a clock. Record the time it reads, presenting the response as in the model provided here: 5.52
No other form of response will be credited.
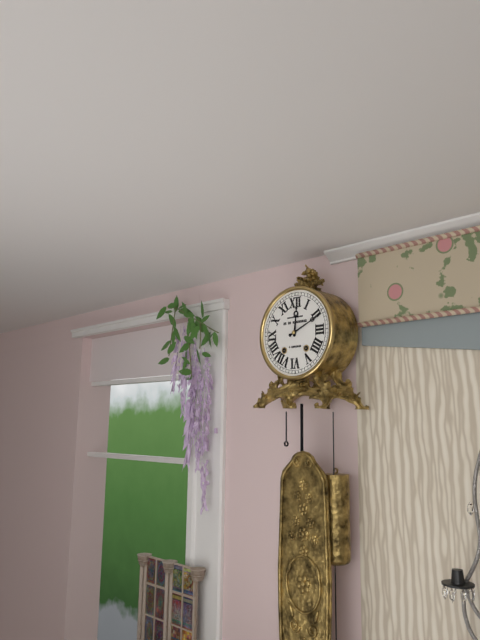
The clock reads 12.11
